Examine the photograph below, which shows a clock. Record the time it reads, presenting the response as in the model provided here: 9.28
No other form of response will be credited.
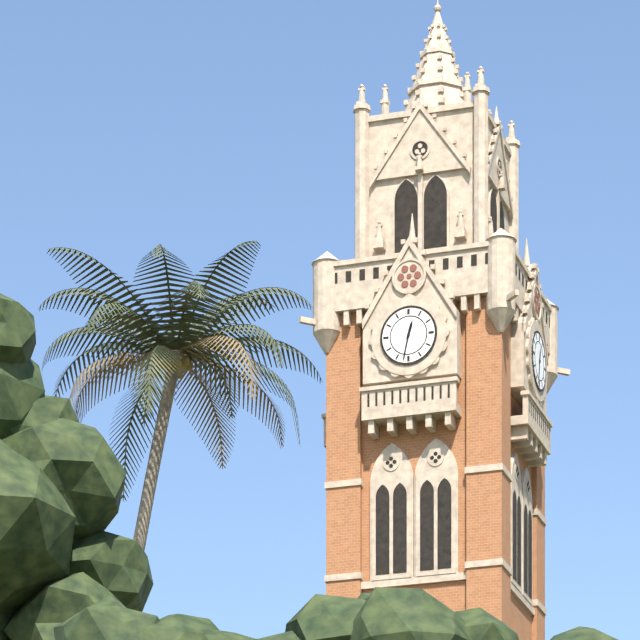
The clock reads 12.32
